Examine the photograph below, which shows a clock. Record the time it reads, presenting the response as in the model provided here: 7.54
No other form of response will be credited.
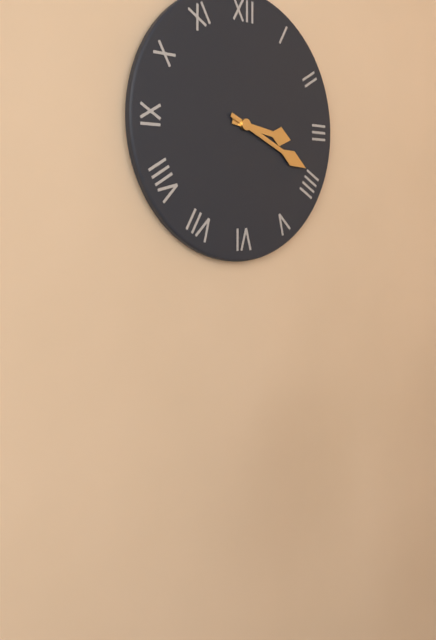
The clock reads 3.19
